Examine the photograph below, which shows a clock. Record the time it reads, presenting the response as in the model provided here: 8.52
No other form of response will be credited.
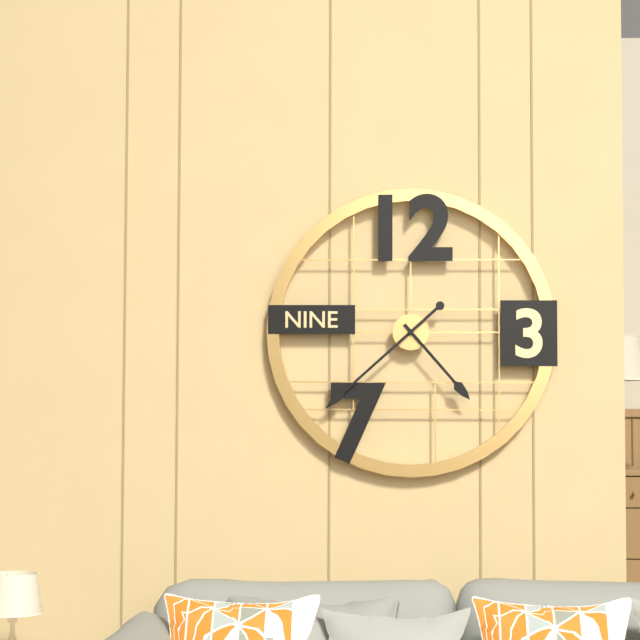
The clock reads 4.38
